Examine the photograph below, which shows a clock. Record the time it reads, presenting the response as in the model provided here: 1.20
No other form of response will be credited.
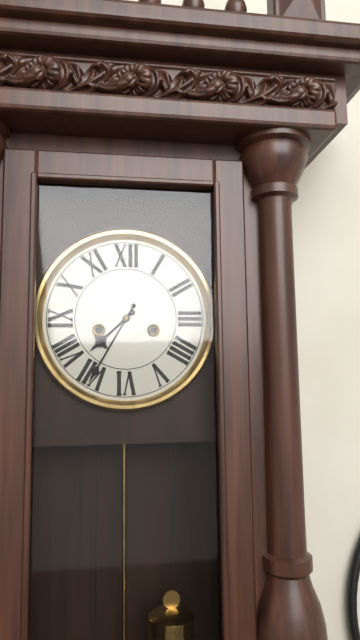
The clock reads 7.35
